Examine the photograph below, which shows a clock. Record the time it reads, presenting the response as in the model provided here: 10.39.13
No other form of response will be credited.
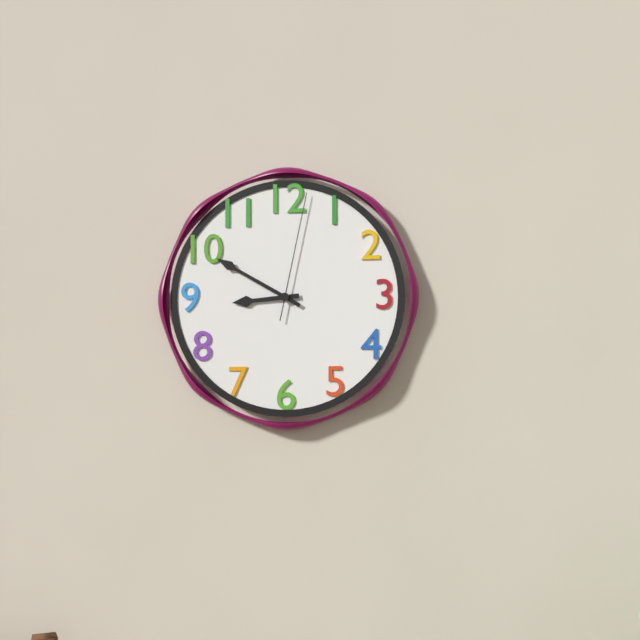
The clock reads 8.50.02
